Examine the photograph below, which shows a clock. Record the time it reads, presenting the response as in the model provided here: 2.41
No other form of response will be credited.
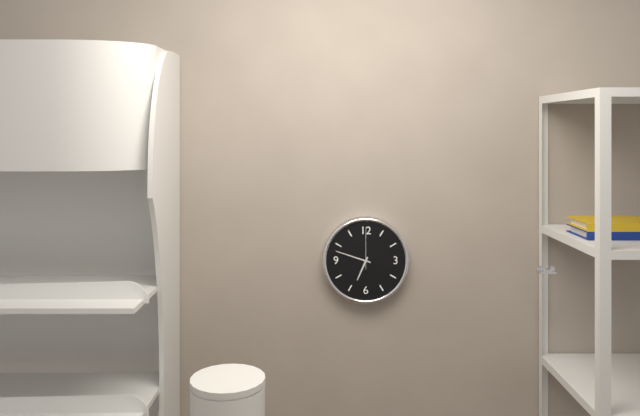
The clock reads 6.48
